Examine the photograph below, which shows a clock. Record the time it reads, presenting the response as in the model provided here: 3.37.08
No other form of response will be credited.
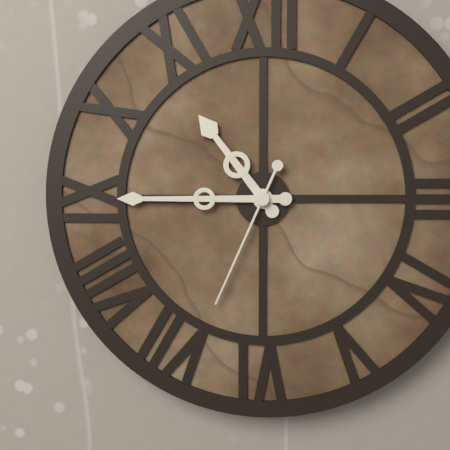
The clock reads 10.45.34
